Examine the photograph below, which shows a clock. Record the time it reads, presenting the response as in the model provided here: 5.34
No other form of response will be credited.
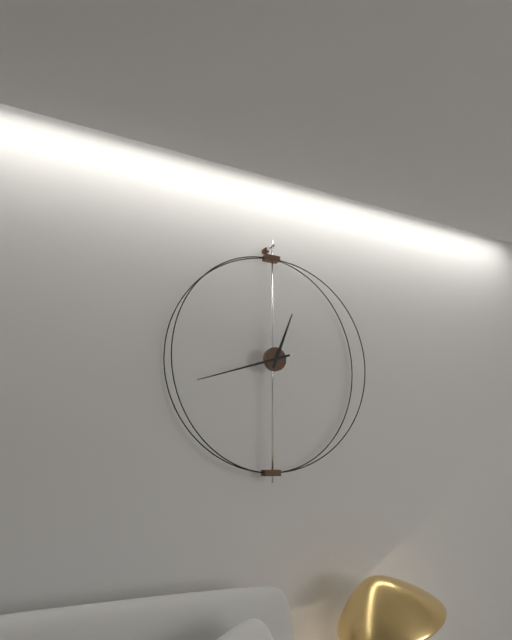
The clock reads 12.42
